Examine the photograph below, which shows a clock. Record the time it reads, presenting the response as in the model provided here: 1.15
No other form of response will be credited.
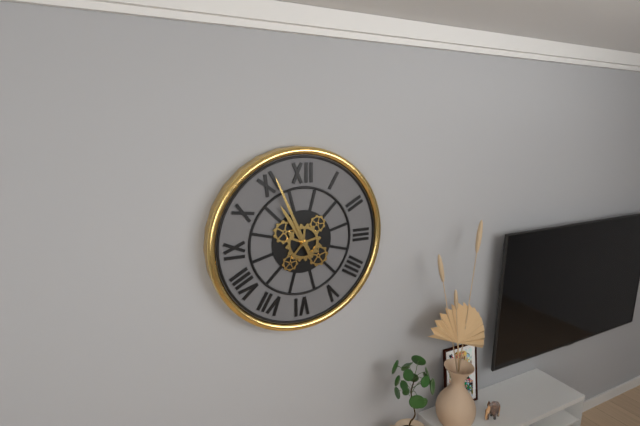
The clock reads 10.56
